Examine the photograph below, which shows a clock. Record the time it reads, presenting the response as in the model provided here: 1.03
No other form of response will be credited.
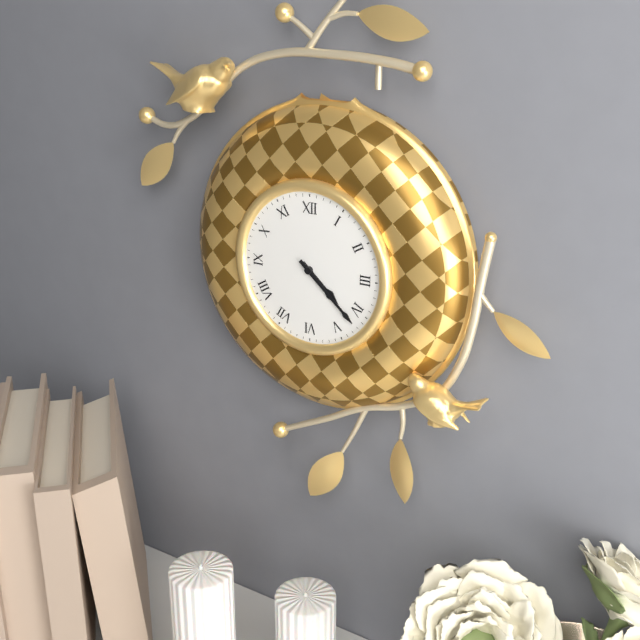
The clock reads 4.22
